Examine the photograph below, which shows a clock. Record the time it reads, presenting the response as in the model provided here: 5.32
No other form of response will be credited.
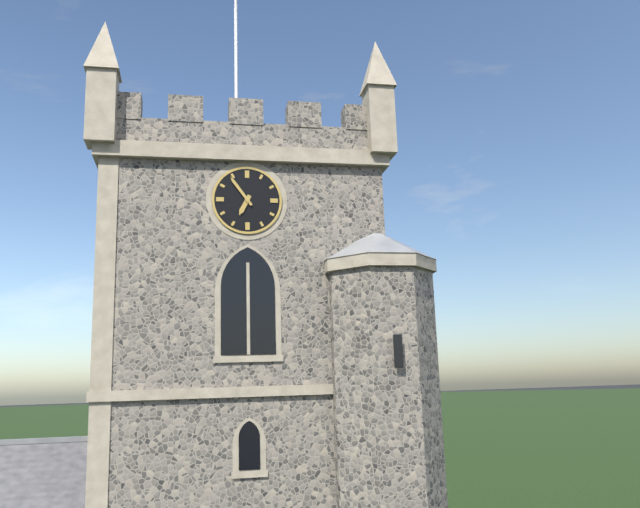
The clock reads 6.54
